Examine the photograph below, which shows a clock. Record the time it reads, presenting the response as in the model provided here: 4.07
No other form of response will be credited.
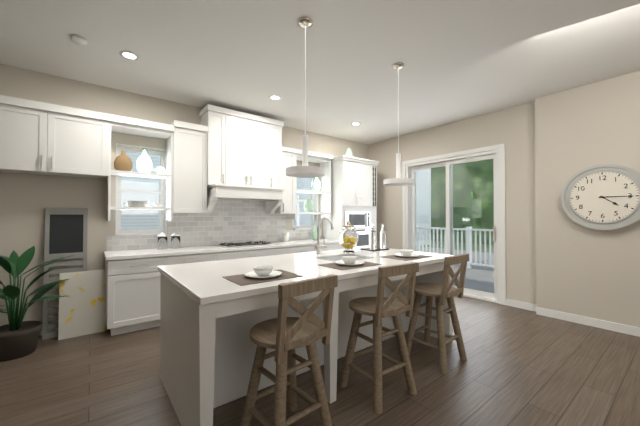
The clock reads 4.15
